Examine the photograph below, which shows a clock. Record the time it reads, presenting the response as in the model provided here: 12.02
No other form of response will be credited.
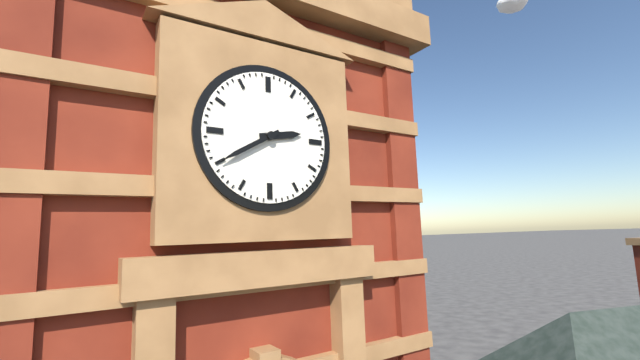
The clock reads 2.40
